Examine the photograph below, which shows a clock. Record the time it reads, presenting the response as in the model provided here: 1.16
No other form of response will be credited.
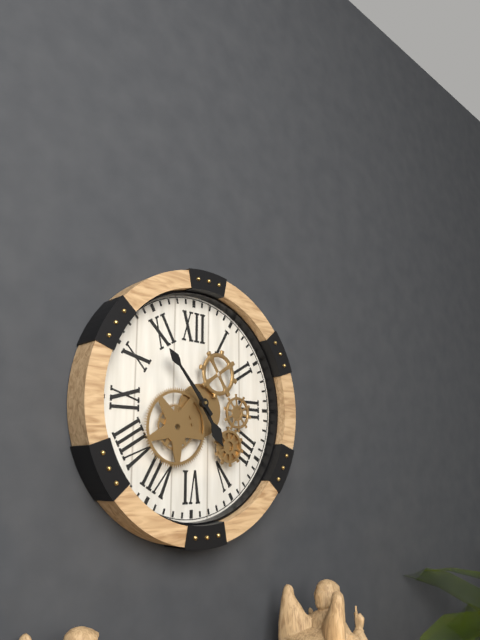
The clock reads 4.53
